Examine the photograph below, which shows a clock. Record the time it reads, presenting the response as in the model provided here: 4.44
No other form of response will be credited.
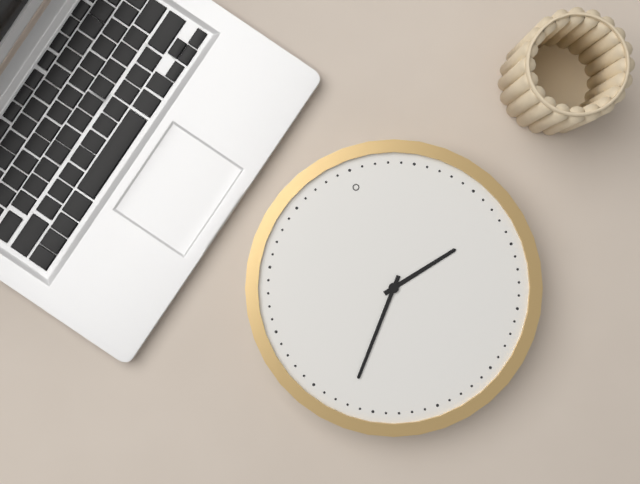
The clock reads 2.37
